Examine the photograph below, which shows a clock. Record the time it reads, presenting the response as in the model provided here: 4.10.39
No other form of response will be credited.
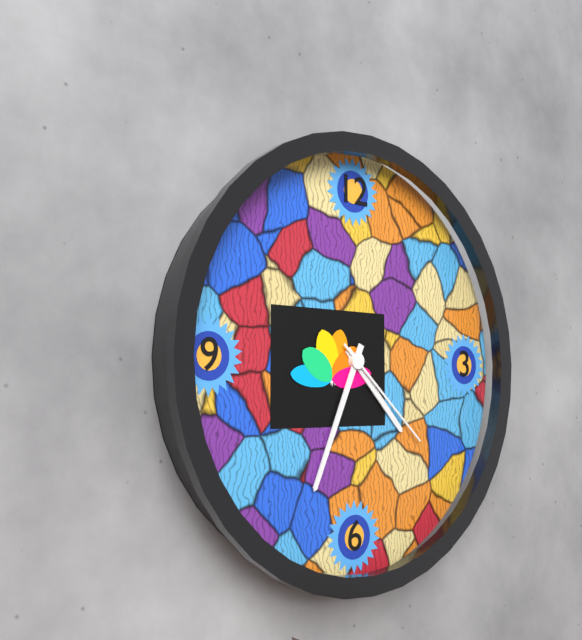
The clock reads 4.34.22
